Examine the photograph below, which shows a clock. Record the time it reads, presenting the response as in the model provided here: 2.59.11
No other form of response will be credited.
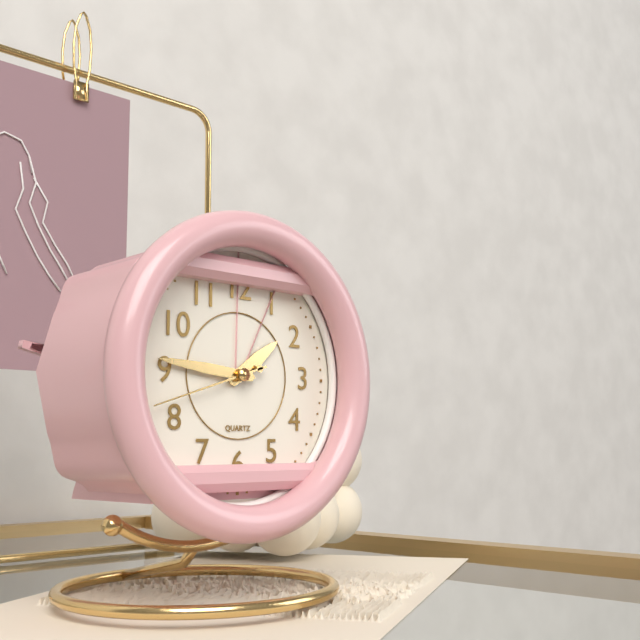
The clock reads 1.46.42
